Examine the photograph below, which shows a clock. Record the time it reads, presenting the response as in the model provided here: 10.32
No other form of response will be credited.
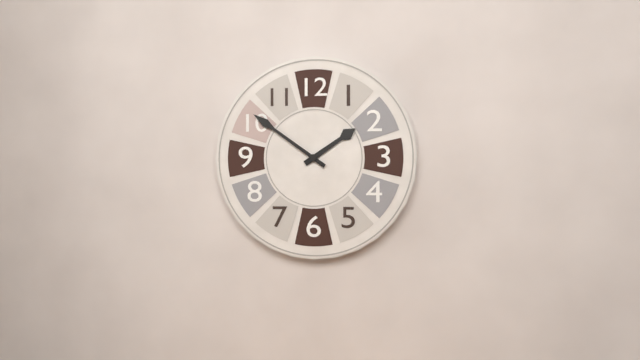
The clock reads 1.51
